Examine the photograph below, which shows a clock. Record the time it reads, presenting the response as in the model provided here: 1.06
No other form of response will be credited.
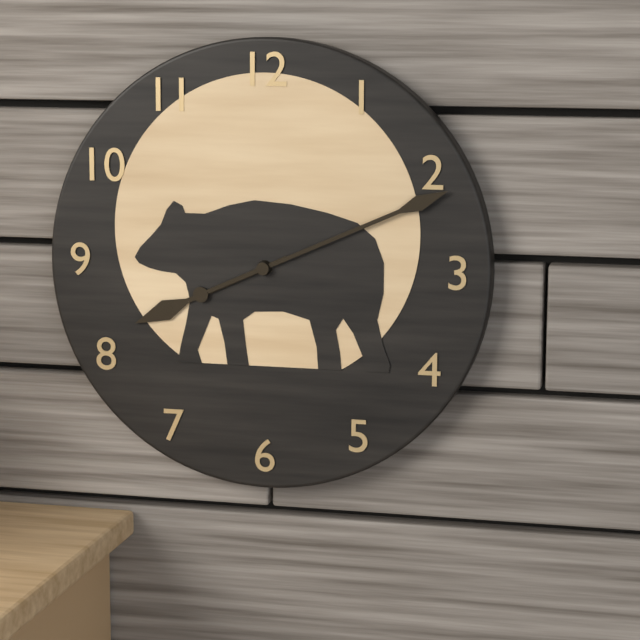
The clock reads 8.11
